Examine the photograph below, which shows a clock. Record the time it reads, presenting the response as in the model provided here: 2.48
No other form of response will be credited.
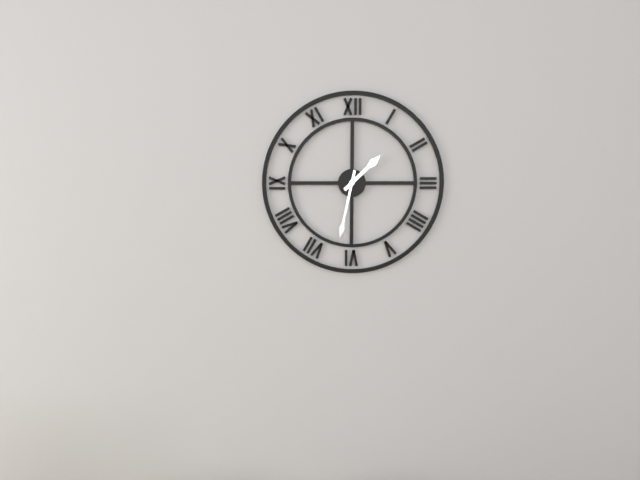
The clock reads 1.32
